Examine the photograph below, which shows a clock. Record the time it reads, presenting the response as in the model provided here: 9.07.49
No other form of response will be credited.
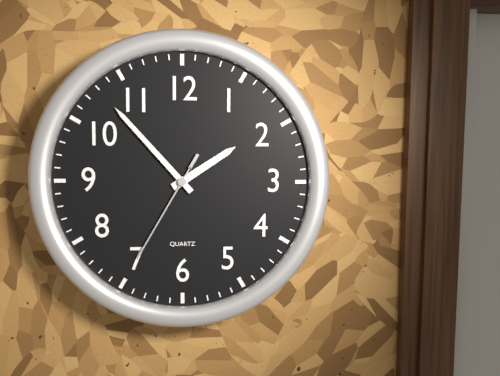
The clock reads 1.53.35
